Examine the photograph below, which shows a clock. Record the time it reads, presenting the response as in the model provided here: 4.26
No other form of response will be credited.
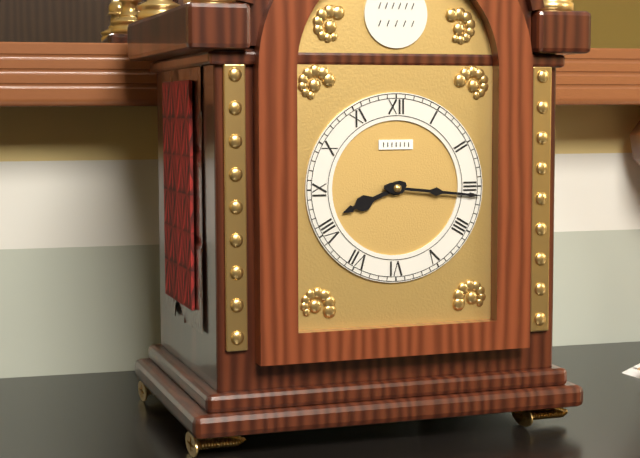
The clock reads 8.16
